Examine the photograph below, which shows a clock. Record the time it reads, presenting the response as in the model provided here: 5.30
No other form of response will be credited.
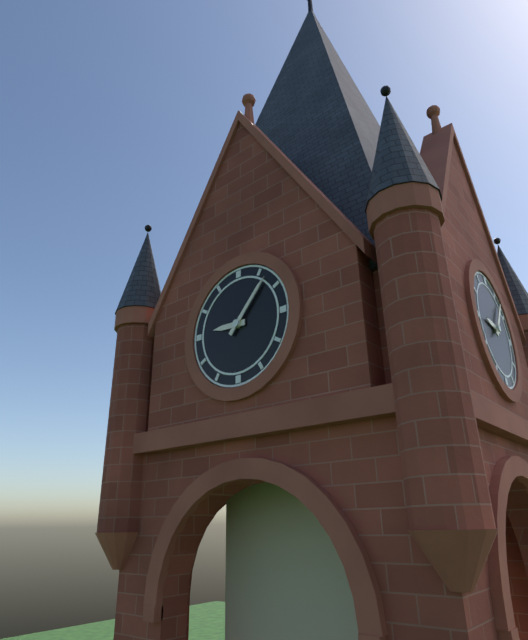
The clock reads 9.07
